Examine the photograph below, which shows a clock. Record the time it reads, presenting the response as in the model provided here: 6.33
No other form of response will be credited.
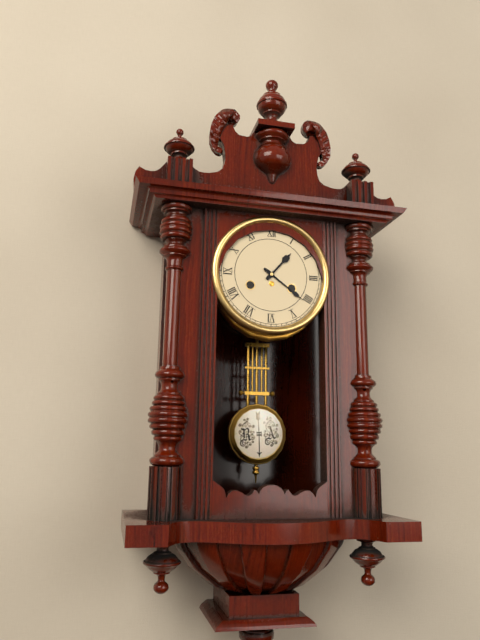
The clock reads 1.21
